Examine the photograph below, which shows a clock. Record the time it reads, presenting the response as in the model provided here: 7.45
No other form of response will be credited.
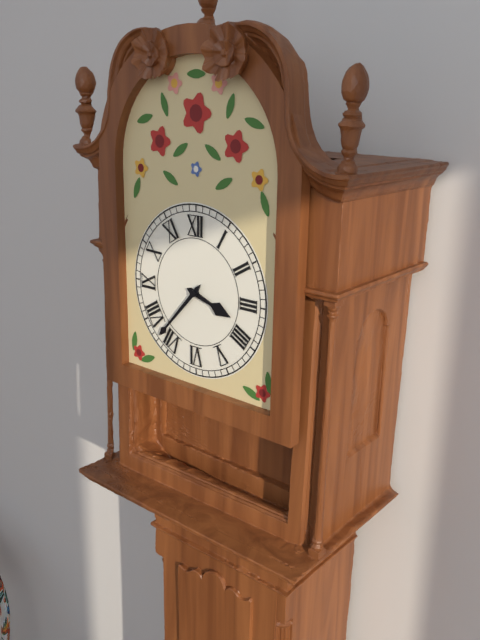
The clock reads 3.37
